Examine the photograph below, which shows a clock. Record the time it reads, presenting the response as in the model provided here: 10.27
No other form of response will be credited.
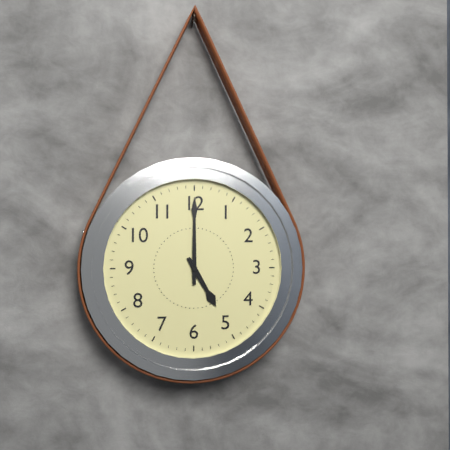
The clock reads 5.00
